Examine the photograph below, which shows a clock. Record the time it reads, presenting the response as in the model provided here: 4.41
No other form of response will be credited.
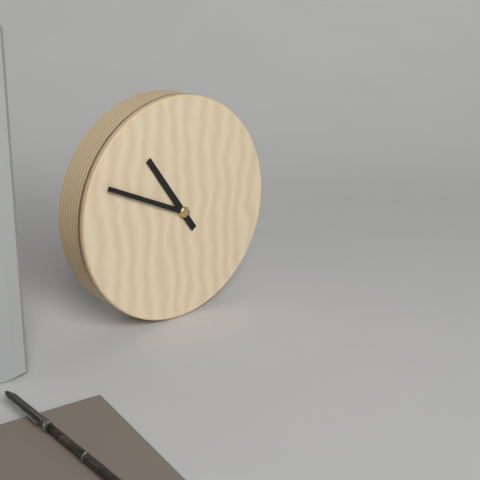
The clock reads 10.49
